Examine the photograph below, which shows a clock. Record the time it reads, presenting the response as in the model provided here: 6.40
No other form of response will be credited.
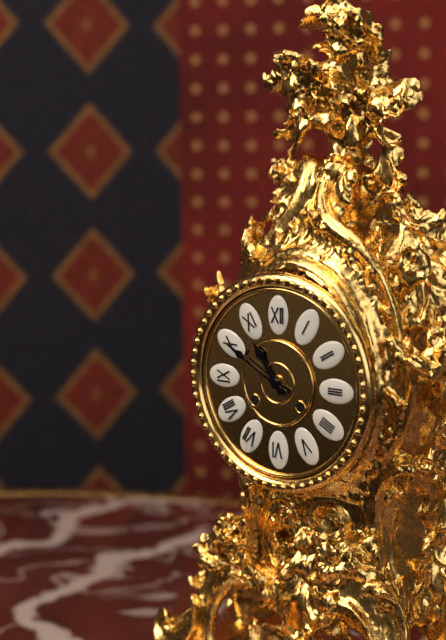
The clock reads 10.50
